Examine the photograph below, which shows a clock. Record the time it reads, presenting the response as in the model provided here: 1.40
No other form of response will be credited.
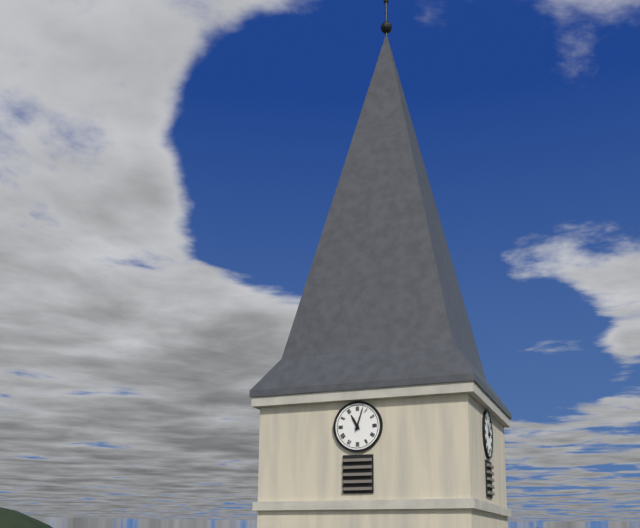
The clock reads 11.03
